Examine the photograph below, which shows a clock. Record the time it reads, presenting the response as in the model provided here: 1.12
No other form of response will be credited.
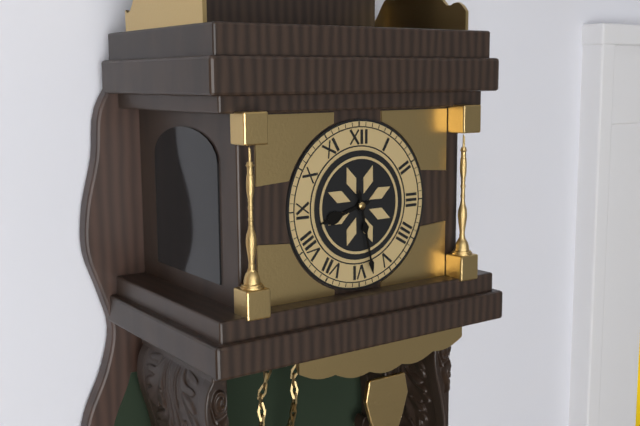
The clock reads 8.28
